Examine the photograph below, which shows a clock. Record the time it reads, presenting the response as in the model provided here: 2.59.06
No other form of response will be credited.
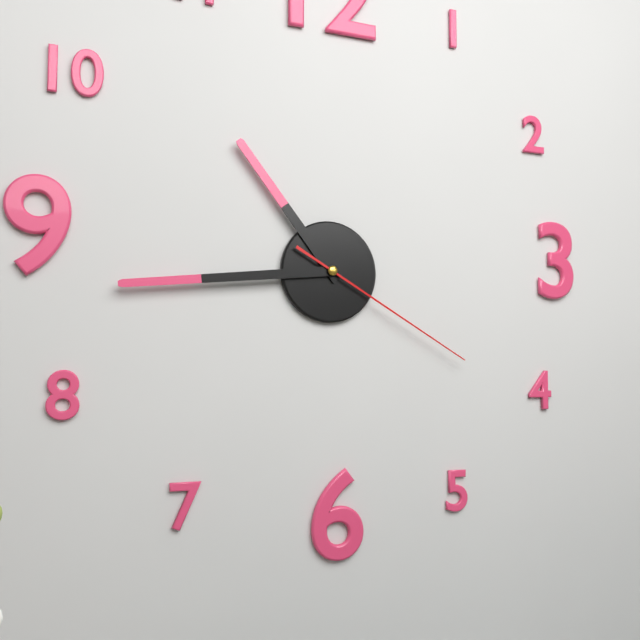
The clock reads 10.44.20
